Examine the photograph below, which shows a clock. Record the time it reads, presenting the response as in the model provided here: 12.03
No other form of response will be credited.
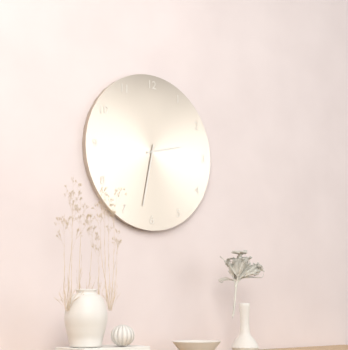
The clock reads 2.32
